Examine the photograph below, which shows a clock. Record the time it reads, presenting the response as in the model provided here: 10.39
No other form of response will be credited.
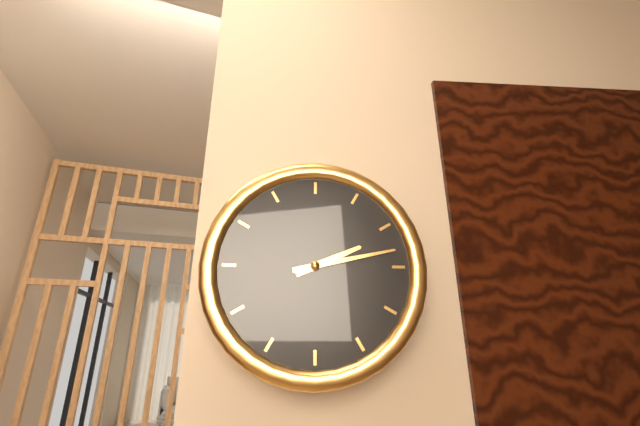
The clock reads 2.13
